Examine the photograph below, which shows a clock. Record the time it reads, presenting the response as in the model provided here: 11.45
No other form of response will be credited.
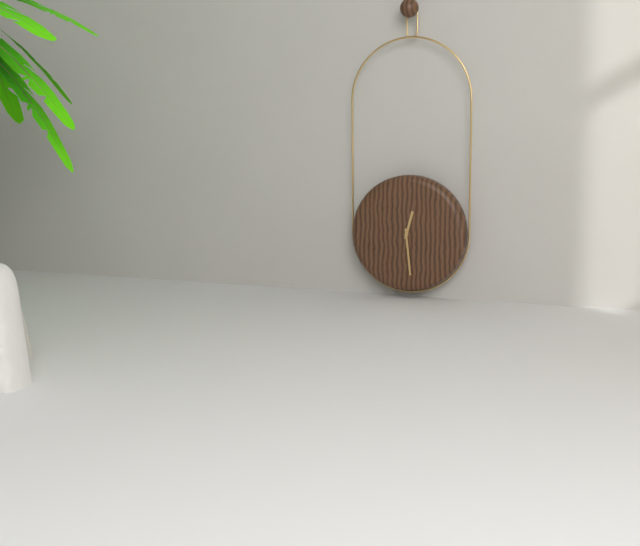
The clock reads 12.29
